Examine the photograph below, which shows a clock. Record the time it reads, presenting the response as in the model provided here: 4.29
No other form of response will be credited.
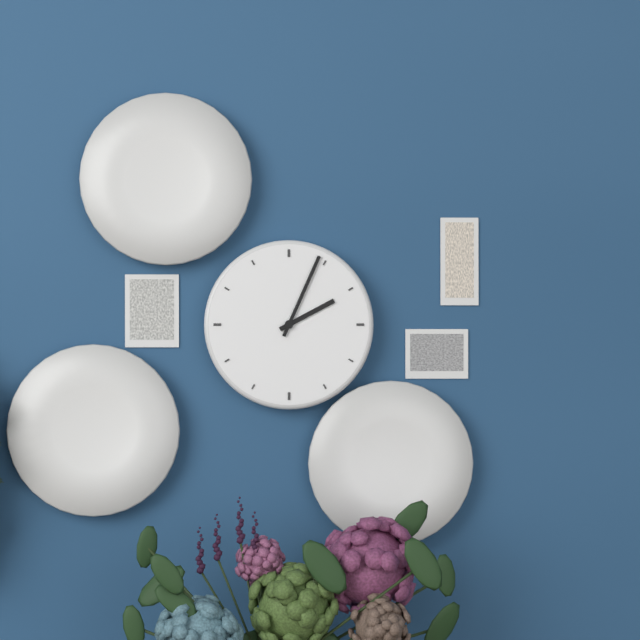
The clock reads 2.04
